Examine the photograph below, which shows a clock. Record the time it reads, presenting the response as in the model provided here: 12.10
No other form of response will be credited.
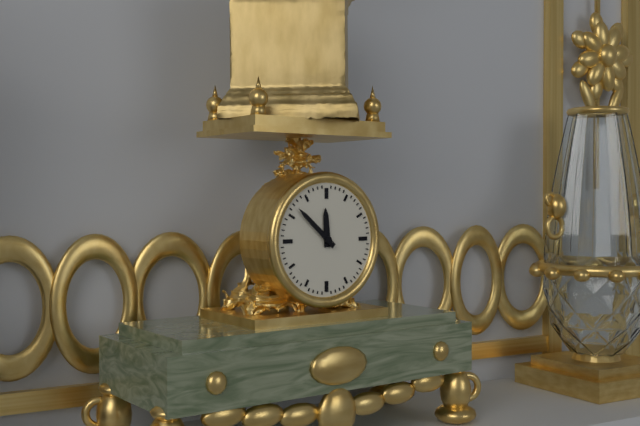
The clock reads 11.52
